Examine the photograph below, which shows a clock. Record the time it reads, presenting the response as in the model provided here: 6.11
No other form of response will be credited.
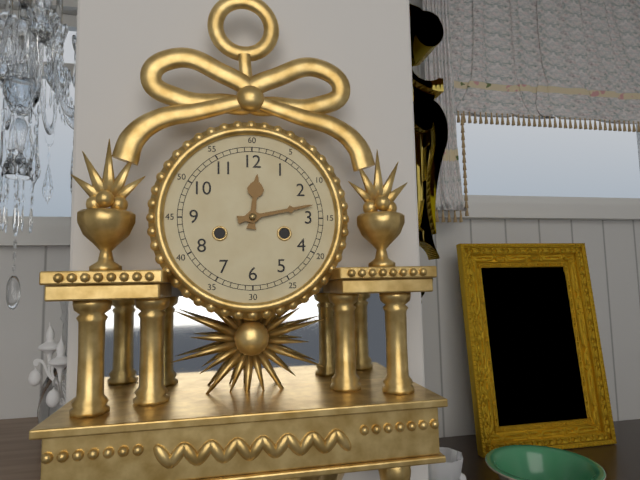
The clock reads 12.13
